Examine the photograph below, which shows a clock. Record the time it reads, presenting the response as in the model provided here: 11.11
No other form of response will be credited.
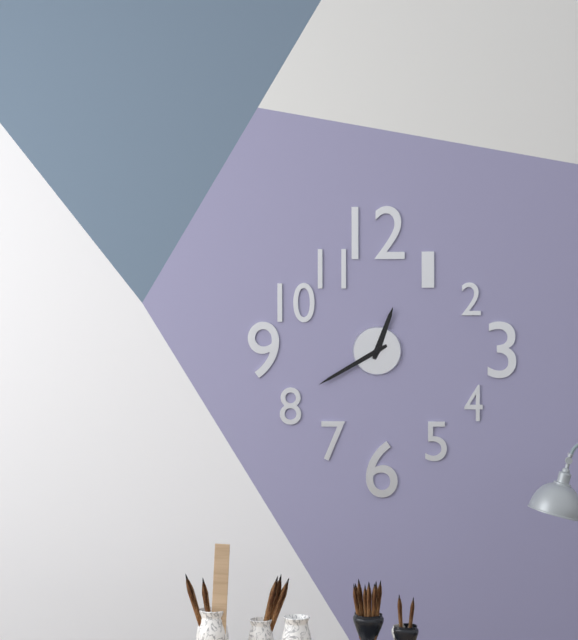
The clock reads 12.40
